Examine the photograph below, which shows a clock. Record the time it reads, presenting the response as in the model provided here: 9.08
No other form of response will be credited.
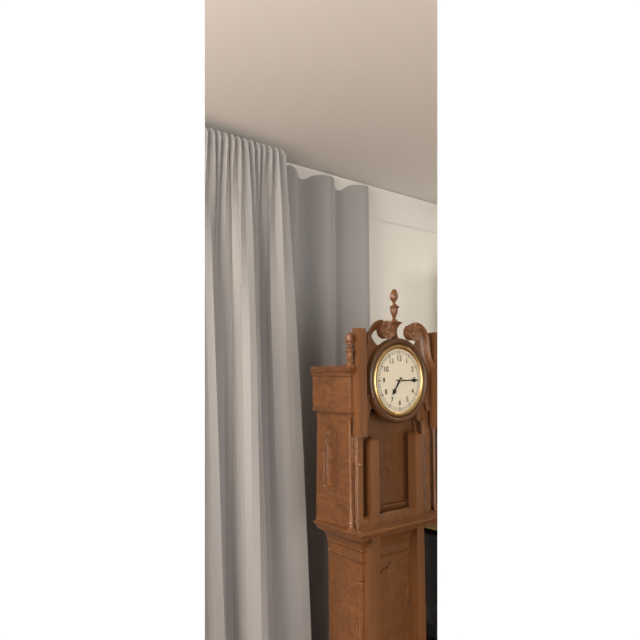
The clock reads 7.15
